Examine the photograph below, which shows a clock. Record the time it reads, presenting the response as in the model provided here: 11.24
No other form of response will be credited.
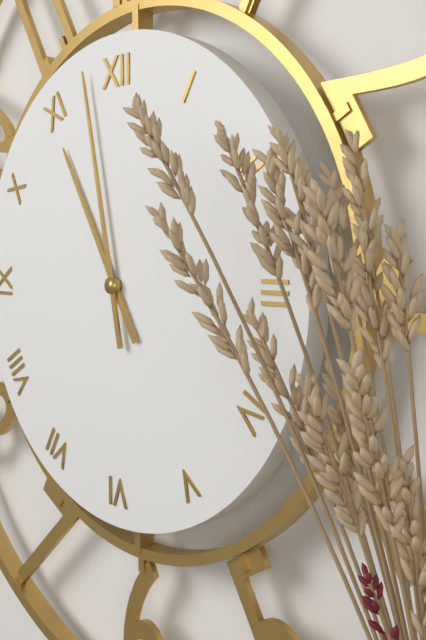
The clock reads 10.58
